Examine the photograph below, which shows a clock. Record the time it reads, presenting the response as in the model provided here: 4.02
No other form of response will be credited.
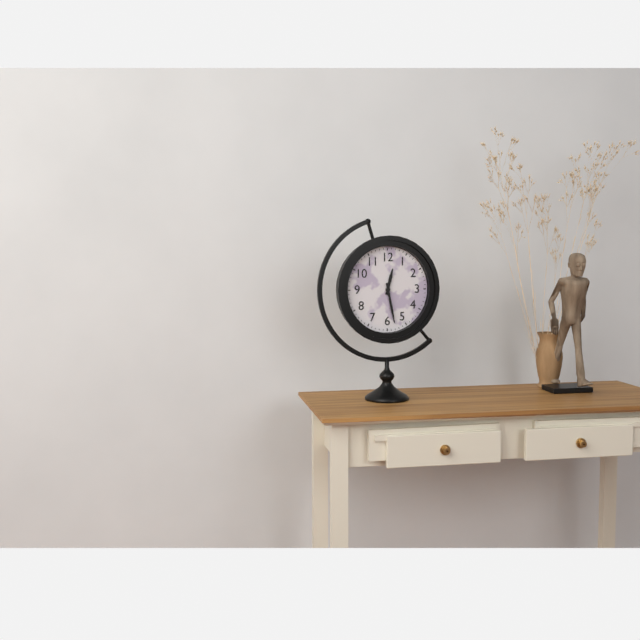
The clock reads 12.28
